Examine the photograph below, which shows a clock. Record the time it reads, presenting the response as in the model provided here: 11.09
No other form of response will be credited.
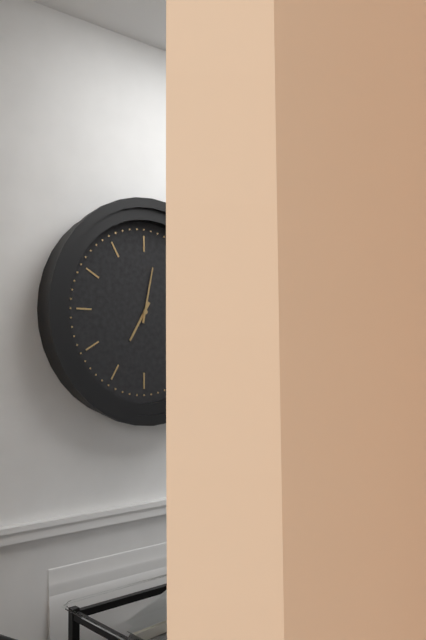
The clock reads 7.02
